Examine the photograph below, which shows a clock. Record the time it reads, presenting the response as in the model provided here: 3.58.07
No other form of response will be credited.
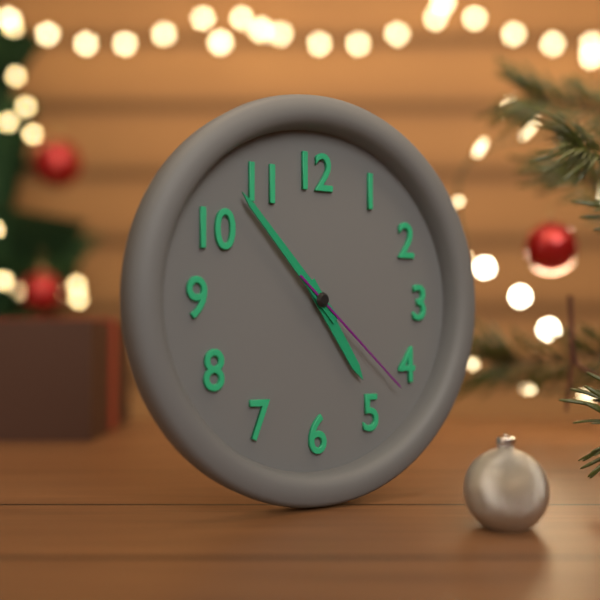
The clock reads 4.53.22
